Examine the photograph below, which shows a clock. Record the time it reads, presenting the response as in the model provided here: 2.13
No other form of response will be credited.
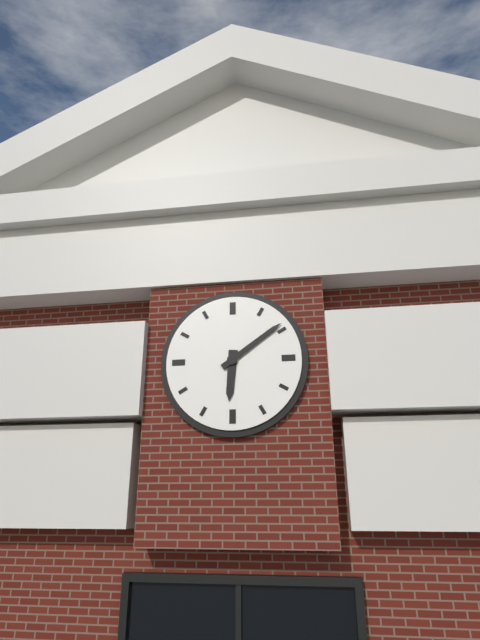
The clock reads 6.09
